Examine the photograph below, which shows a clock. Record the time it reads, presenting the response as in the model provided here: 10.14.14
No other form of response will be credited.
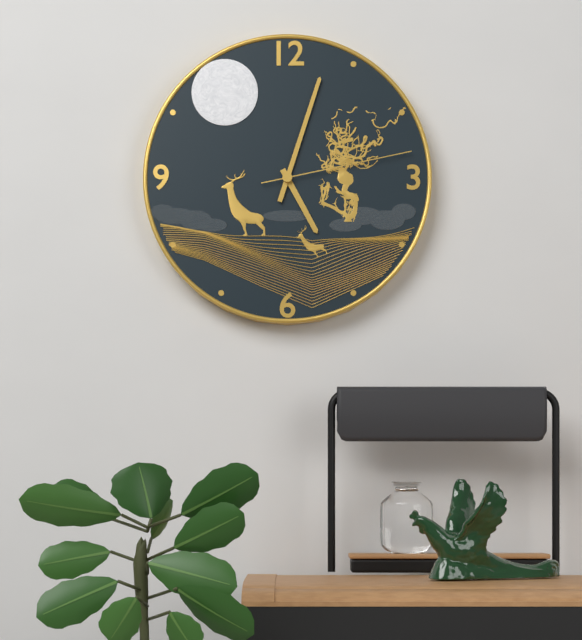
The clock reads 5.03.13
